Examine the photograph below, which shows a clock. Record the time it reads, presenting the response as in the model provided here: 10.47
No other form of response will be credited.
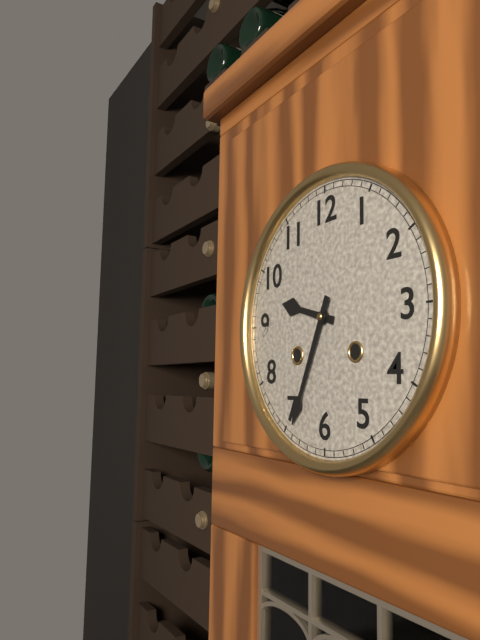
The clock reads 9.34
